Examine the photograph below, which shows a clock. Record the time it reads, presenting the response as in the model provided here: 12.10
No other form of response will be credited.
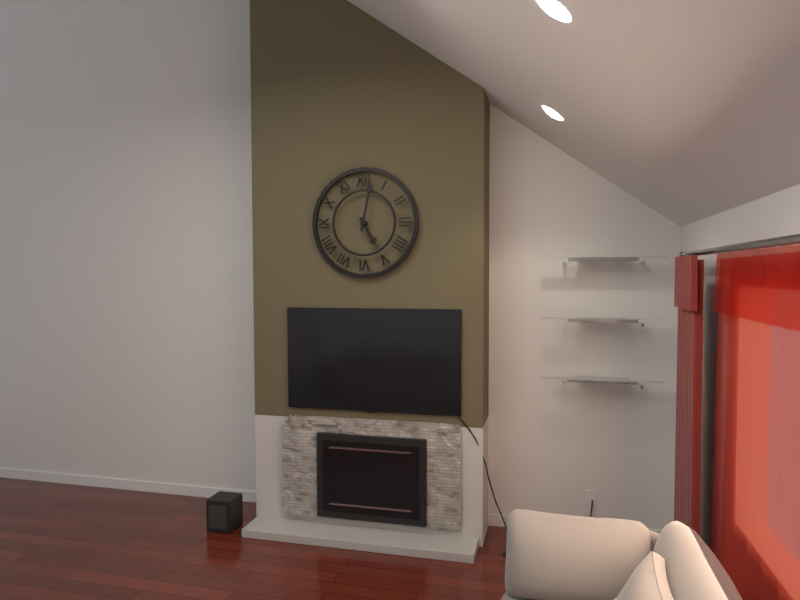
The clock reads 5.02
